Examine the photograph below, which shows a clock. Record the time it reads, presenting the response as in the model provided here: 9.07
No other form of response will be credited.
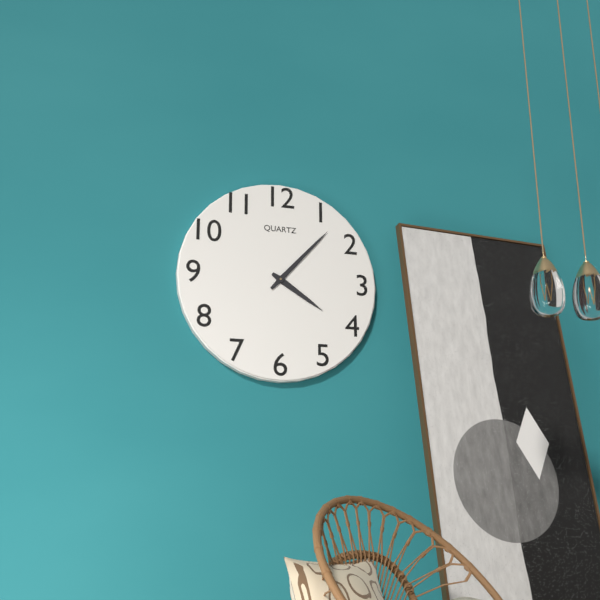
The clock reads 4.07
